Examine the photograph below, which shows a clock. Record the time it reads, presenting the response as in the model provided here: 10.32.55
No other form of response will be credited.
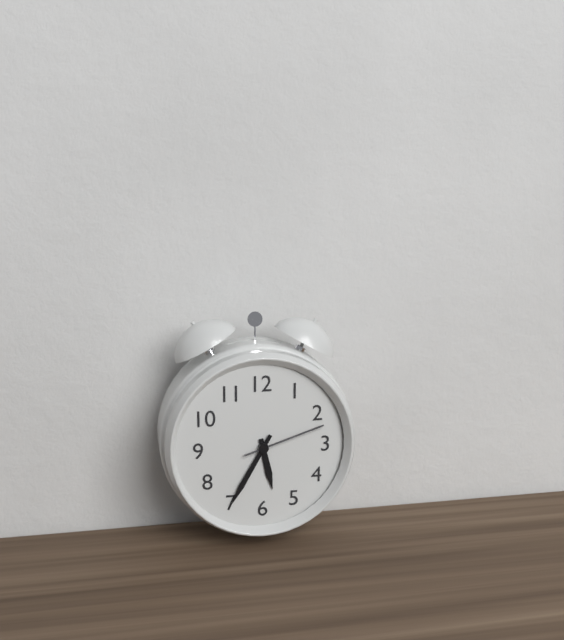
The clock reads 5.35.12
